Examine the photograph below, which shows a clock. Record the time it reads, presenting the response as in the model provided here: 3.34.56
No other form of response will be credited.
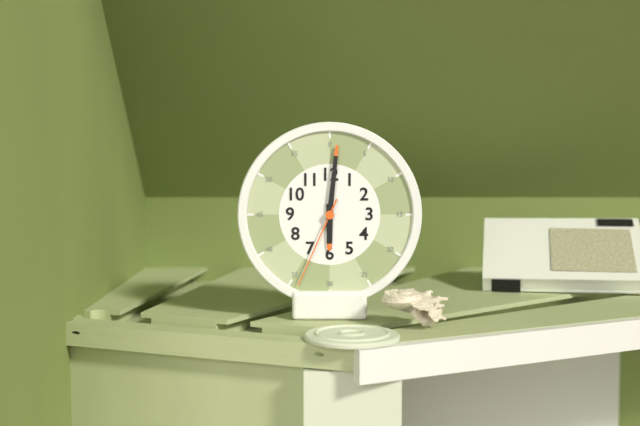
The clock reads 6.01.34
